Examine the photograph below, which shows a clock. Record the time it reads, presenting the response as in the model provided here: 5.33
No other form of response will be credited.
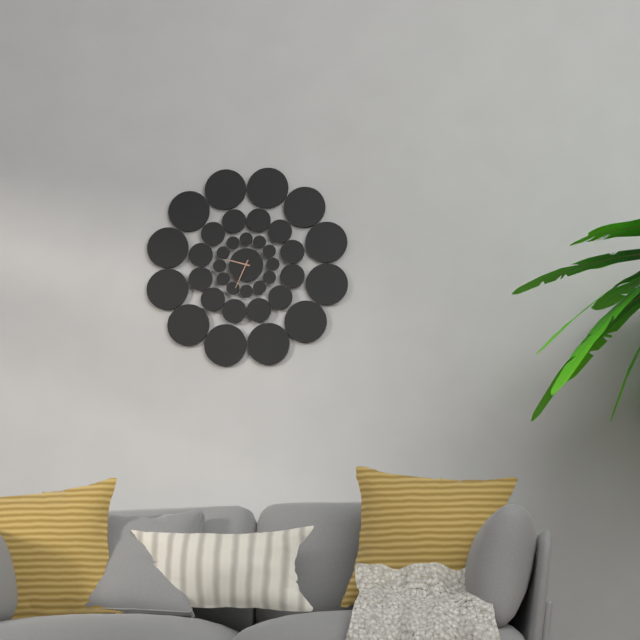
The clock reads 9.34
